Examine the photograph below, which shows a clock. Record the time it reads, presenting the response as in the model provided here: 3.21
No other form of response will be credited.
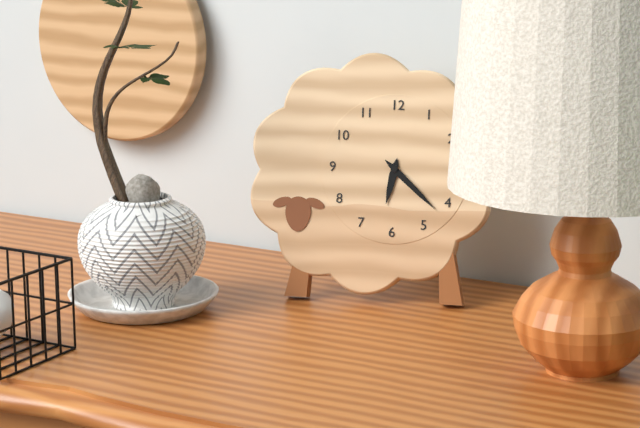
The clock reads 6.22
